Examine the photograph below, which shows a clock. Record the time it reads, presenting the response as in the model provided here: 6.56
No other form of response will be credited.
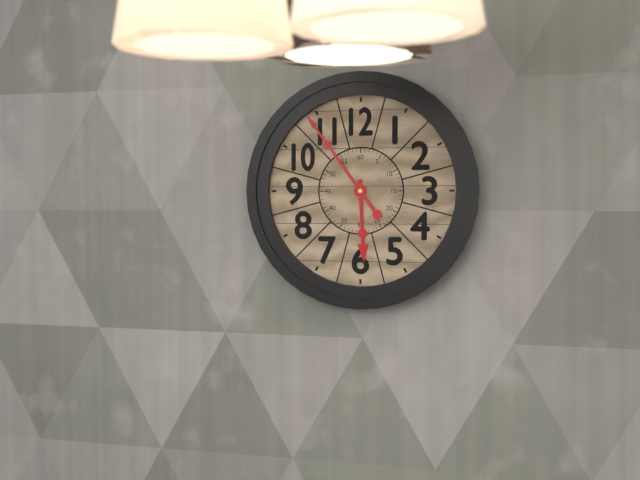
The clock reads 5.54
